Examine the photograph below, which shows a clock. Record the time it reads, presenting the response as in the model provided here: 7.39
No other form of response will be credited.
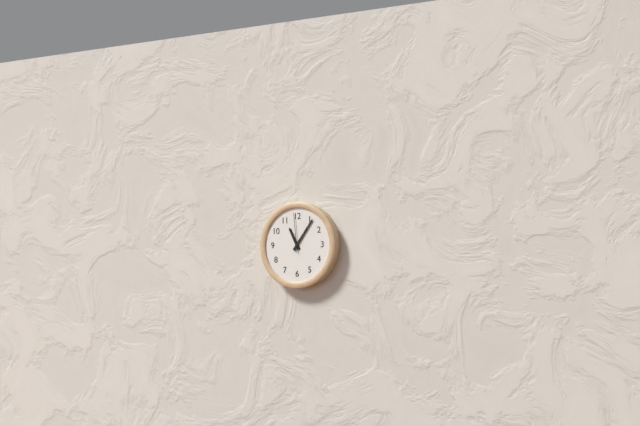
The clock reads 11.06
